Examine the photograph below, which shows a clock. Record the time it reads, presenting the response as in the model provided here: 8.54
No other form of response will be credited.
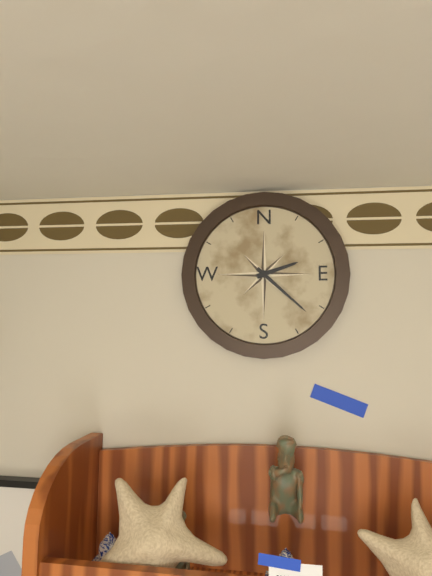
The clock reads 2.22
